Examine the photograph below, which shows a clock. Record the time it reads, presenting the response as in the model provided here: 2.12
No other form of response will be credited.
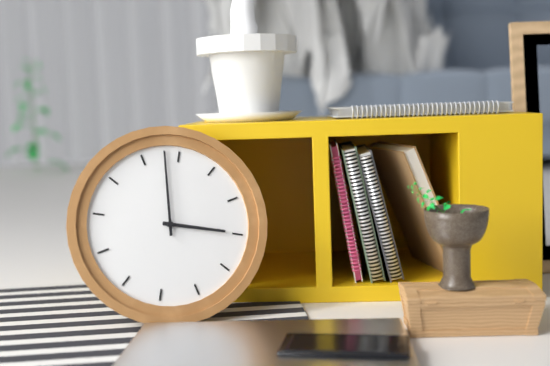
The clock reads 2.58
